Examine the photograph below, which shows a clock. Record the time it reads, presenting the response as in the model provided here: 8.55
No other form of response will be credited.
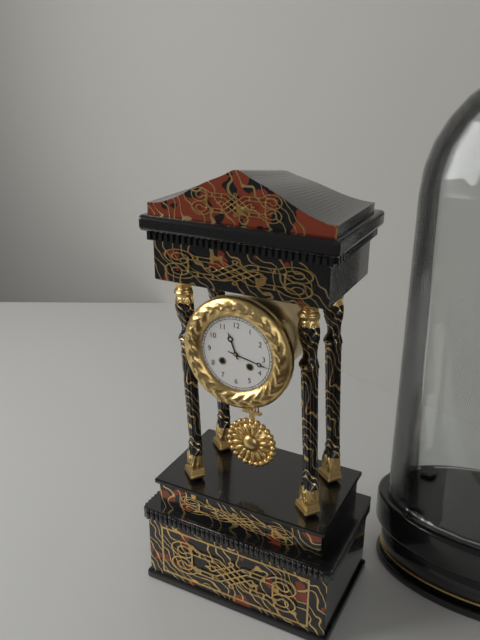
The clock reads 11.17
